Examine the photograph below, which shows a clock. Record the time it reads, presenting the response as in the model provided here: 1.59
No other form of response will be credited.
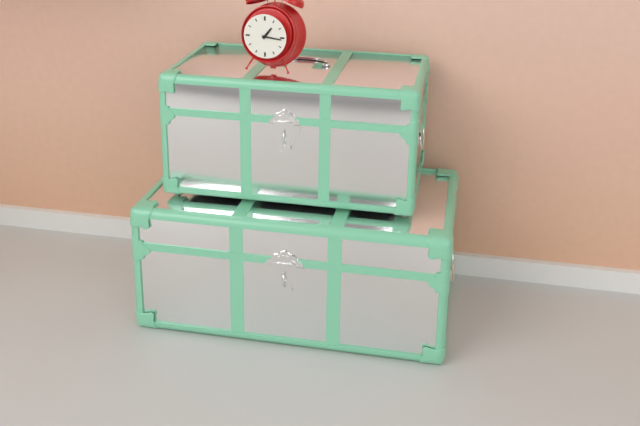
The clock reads 1.16
